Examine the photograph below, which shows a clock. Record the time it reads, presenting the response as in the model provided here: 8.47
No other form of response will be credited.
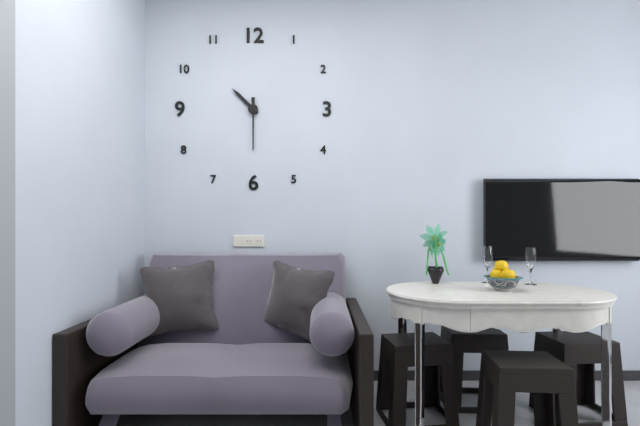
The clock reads 10.30
